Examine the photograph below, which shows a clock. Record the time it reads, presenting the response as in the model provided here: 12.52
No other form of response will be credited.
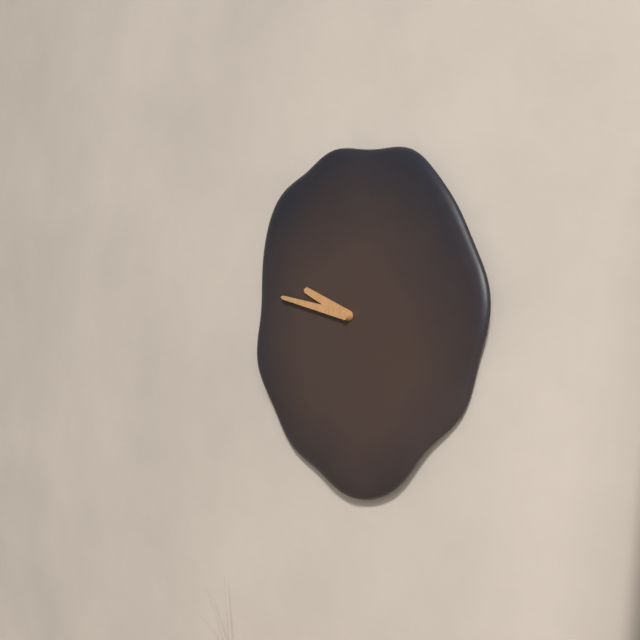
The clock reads 9.47
